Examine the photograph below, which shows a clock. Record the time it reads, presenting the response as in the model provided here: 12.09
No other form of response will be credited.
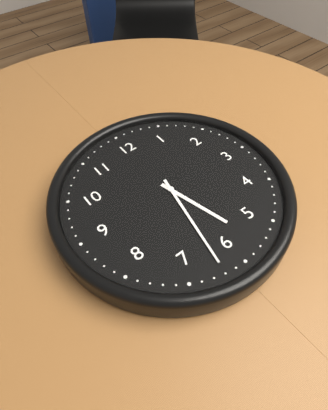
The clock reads 5.32
